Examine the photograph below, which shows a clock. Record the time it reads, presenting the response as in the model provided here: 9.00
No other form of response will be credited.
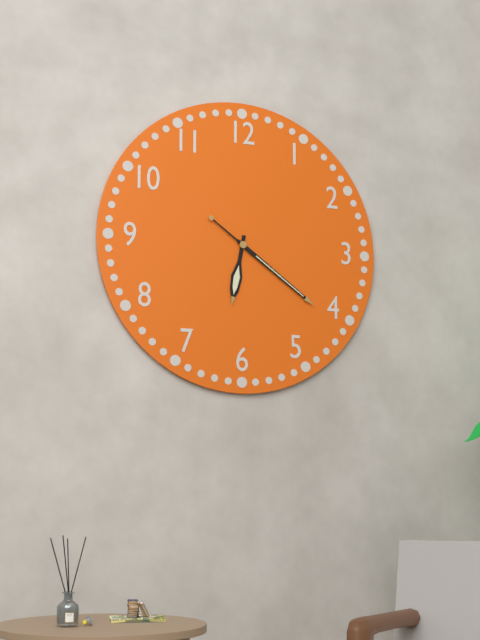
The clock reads 6.21
